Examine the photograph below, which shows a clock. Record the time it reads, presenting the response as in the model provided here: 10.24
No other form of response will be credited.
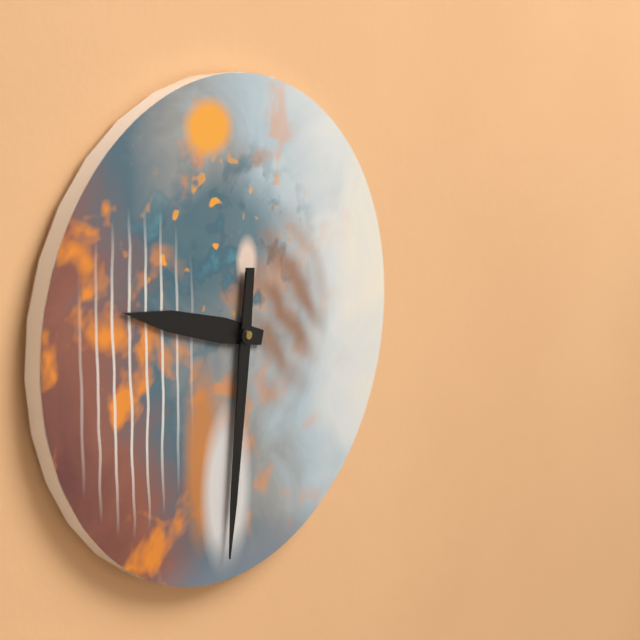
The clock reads 9.31
